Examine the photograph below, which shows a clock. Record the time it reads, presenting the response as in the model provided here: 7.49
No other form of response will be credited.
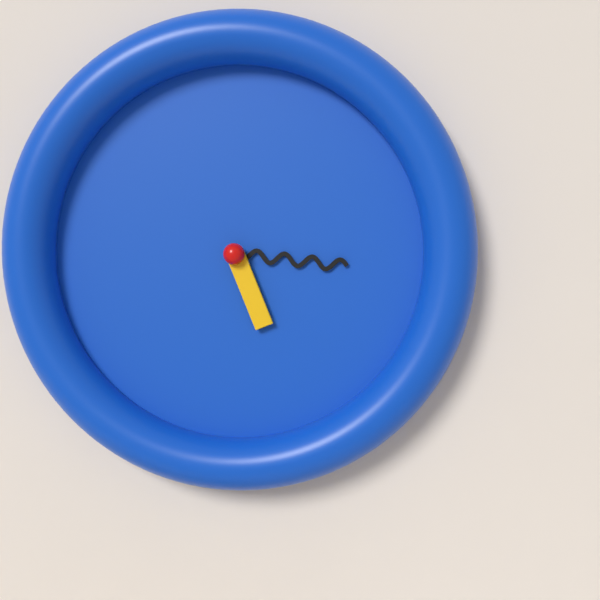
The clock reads 5.16
